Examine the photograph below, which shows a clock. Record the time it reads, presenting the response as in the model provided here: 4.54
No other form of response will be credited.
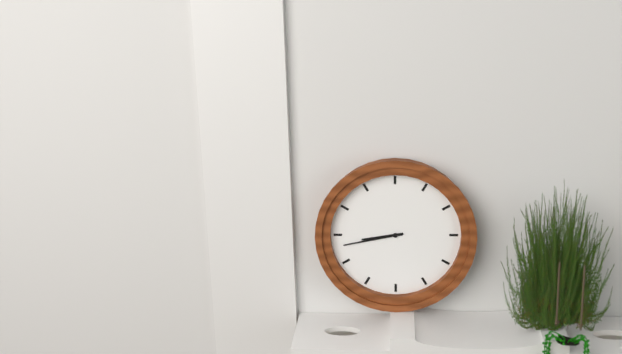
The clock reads 8.43
